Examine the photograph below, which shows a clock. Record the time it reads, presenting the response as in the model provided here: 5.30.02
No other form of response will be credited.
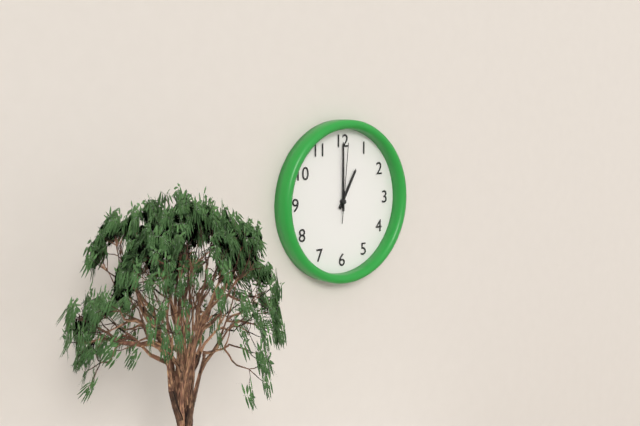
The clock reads 1.00.01
